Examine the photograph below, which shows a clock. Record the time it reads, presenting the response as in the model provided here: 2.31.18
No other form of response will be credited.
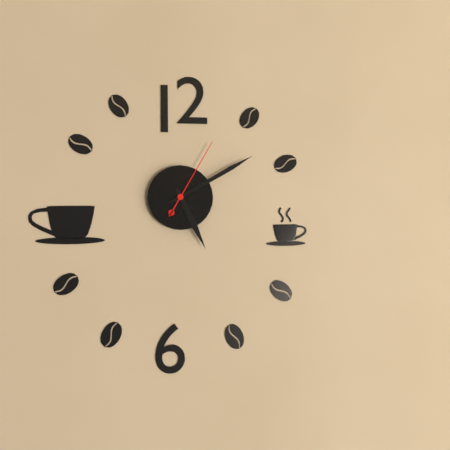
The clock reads 5.10.05
